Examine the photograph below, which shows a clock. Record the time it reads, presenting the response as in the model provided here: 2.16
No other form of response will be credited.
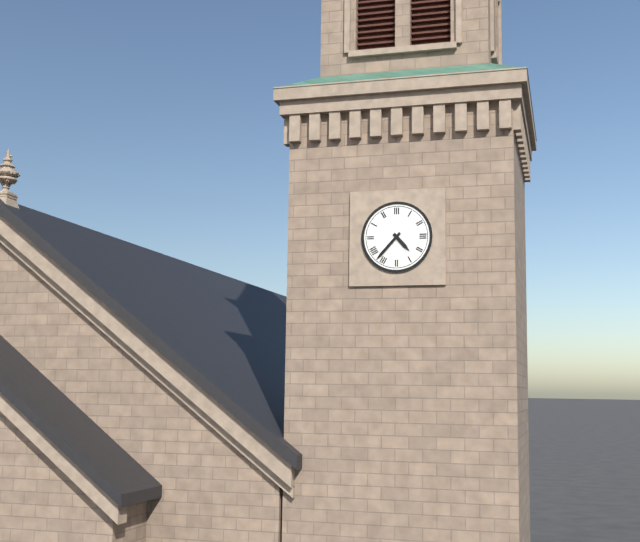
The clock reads 4.37
